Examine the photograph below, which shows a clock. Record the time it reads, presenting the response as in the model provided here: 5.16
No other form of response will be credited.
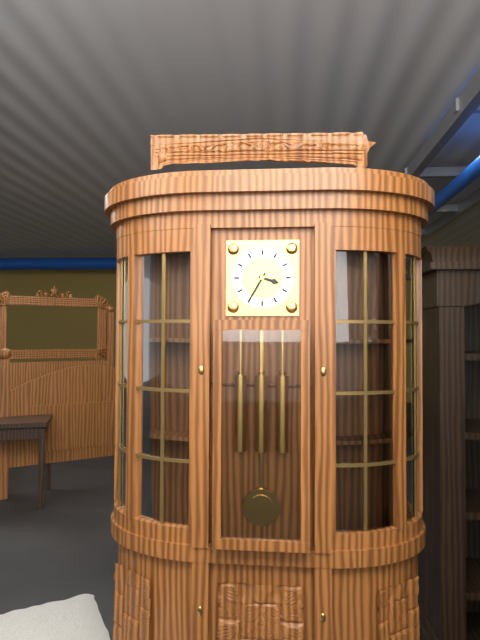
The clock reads 3.35
